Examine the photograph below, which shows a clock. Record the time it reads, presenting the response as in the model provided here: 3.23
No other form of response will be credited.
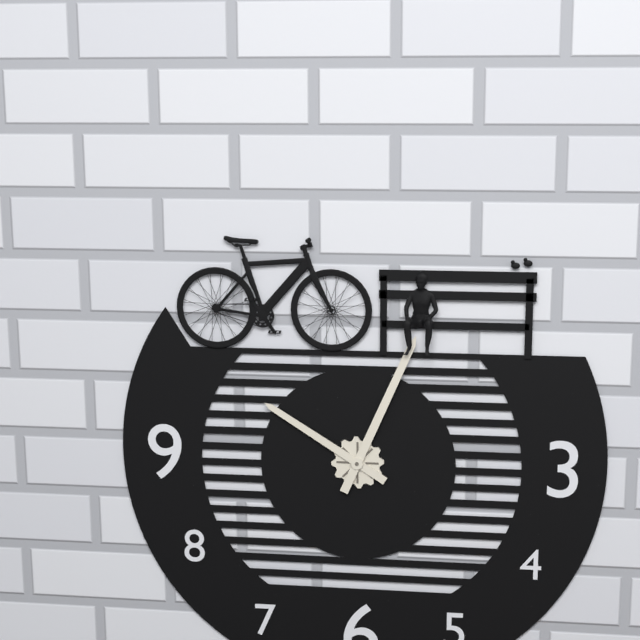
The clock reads 10.04
